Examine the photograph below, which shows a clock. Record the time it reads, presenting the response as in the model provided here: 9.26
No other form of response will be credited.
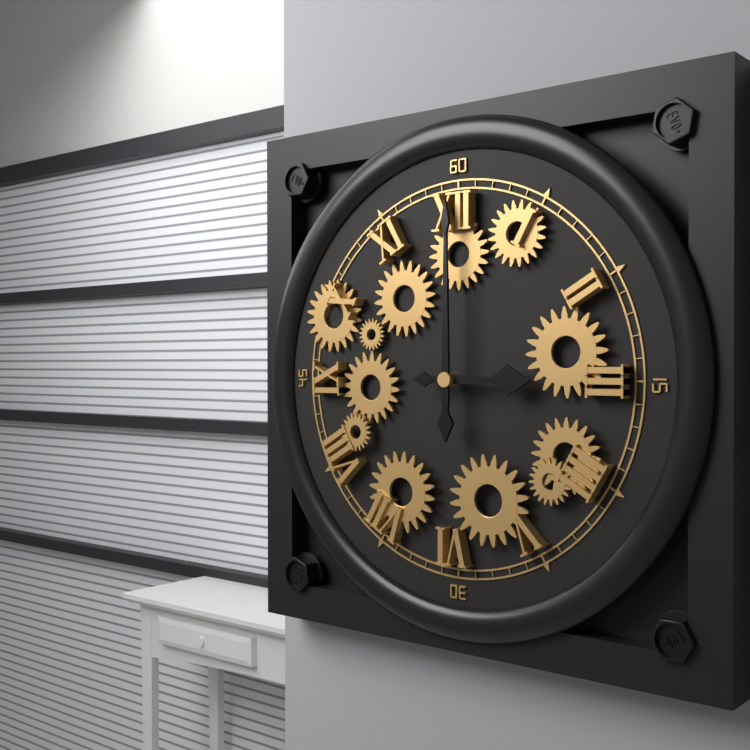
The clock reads 3.00
